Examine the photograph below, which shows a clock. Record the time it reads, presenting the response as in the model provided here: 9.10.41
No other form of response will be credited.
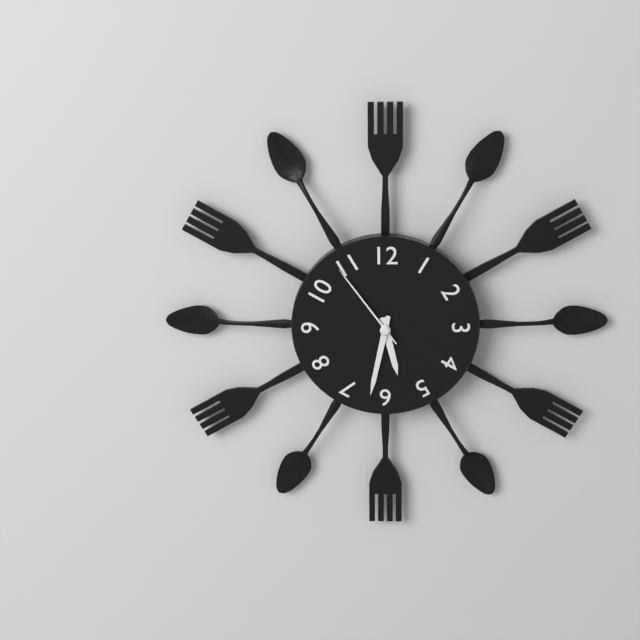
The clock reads 5.32.54
